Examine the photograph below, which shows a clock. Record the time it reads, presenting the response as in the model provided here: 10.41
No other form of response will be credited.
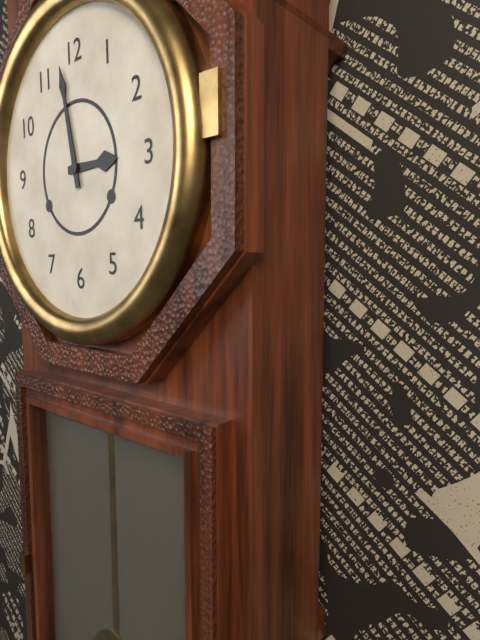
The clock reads 2.58
